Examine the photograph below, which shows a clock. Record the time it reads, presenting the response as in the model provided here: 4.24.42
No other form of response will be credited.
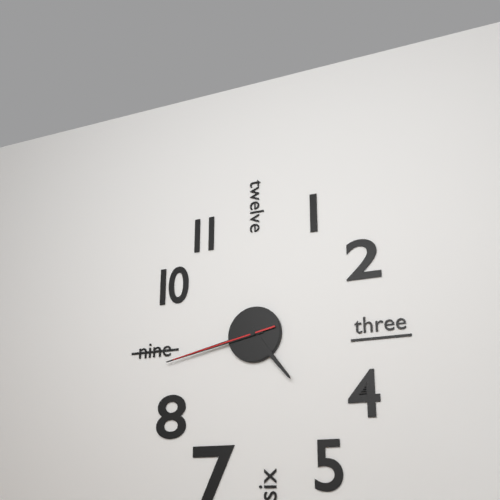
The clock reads 4.43.43
